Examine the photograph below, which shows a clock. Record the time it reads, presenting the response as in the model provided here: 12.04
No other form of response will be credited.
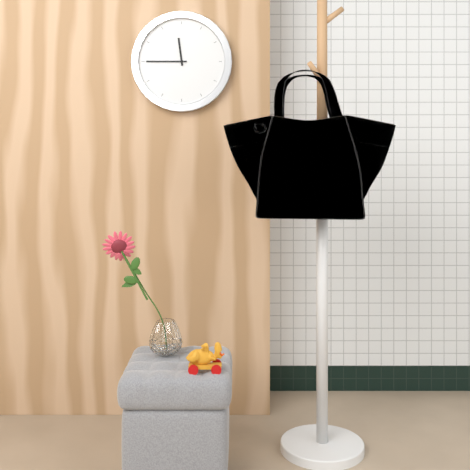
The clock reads 11.45
